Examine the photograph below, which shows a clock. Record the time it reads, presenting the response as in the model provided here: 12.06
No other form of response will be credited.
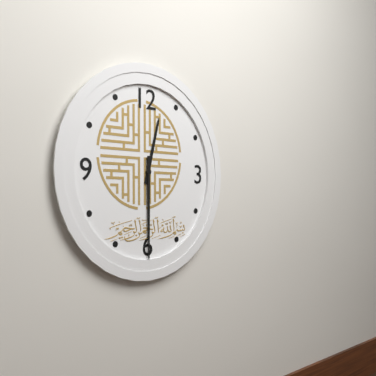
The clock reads 12.30
